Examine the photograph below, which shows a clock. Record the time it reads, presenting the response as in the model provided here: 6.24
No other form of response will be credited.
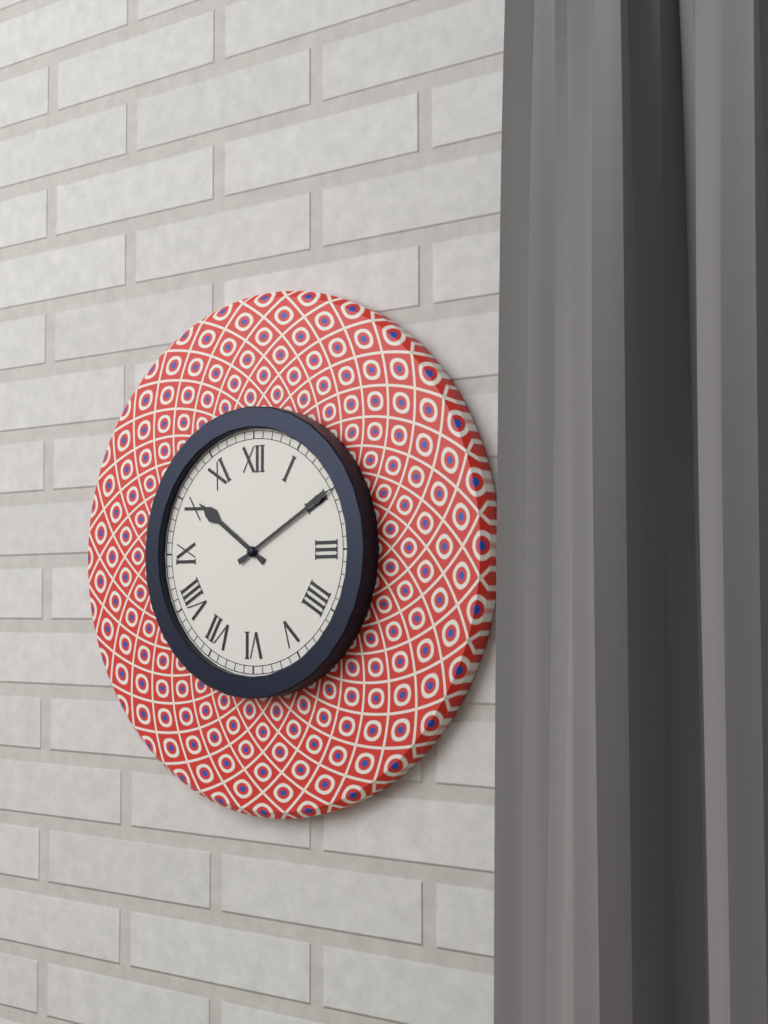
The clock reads 10.10
